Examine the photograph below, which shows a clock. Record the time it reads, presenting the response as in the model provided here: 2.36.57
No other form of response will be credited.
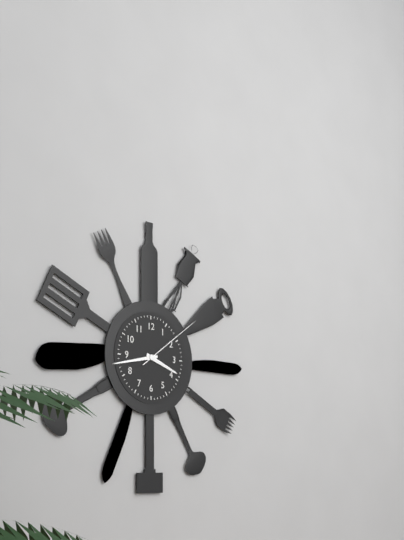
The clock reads 3.43.09
